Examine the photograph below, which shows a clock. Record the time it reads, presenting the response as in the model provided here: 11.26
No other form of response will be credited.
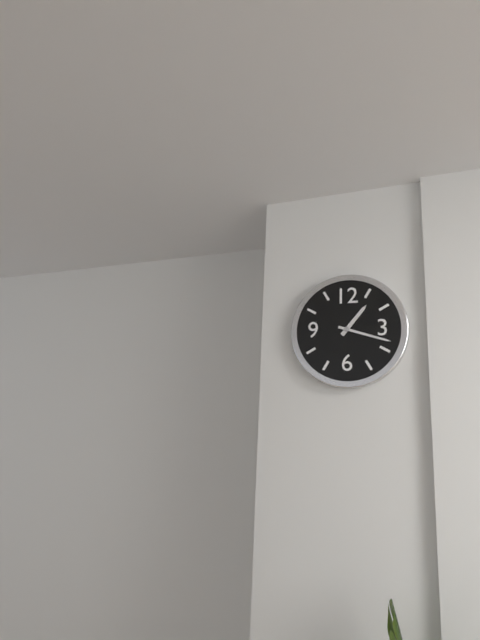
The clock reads 1.18
